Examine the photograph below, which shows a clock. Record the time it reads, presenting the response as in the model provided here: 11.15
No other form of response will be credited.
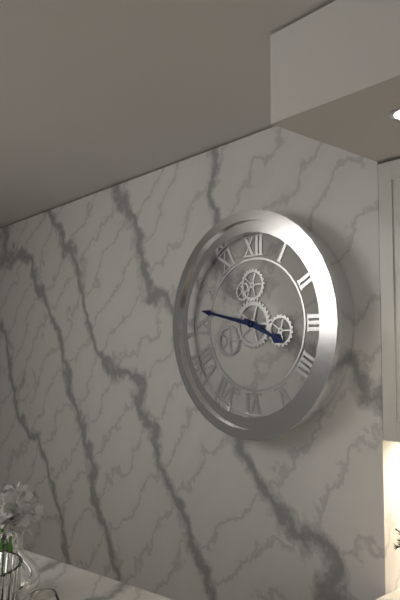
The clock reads 3.47
